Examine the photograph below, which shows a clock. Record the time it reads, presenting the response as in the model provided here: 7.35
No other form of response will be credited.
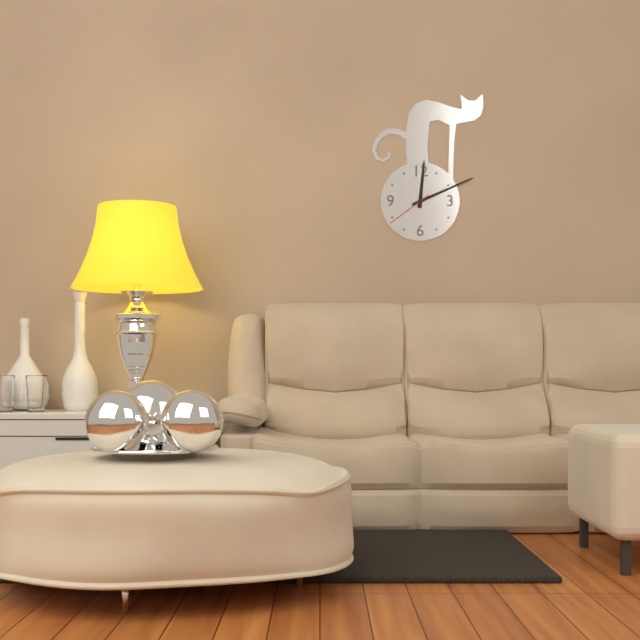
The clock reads 12.11
